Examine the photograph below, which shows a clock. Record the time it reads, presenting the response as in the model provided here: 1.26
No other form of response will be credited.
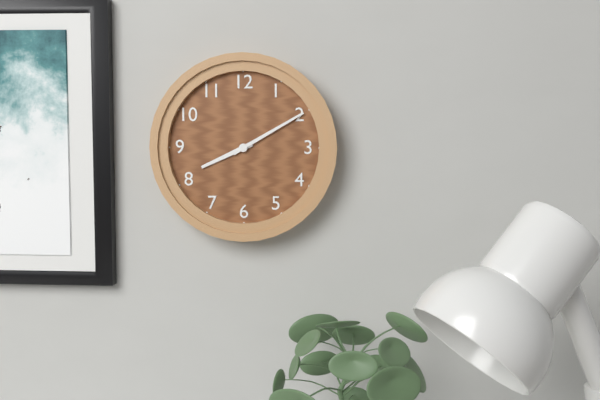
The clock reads 8.10
